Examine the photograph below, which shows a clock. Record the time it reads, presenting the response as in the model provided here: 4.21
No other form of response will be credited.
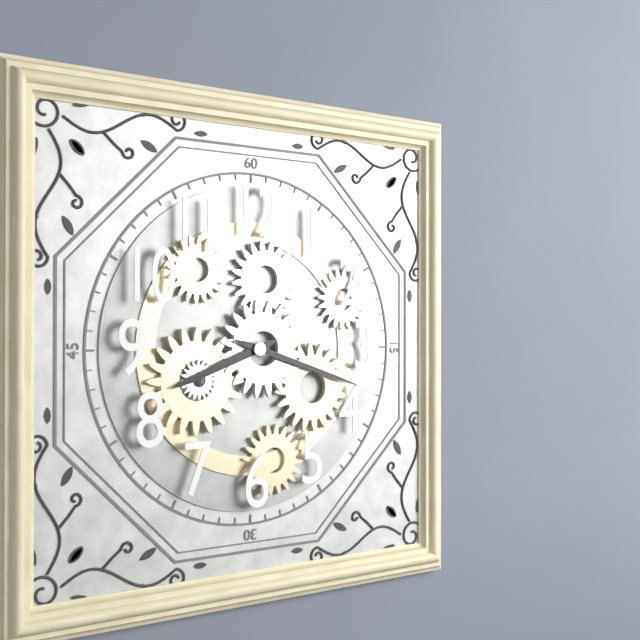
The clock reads 8.18
